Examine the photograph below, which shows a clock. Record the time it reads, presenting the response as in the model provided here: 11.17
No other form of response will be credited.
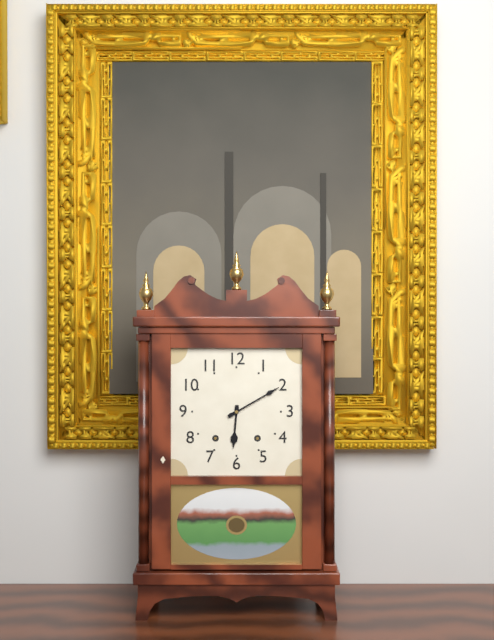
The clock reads 6.10
